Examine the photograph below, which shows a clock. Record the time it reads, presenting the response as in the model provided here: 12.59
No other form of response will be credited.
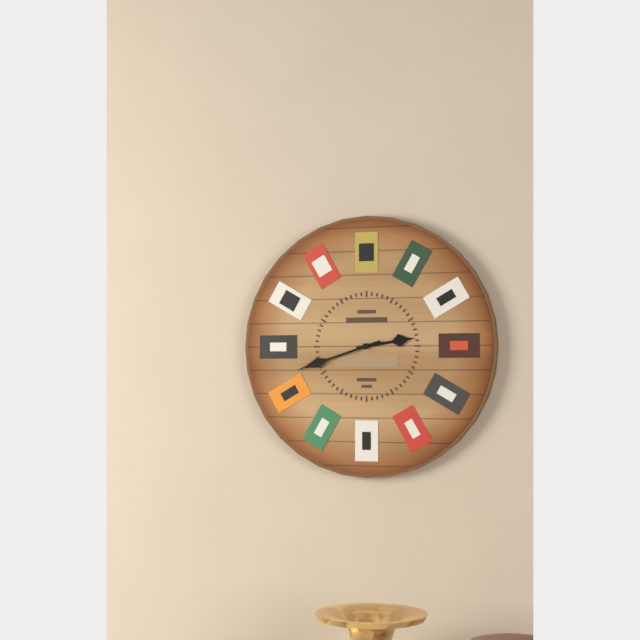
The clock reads 2.42
